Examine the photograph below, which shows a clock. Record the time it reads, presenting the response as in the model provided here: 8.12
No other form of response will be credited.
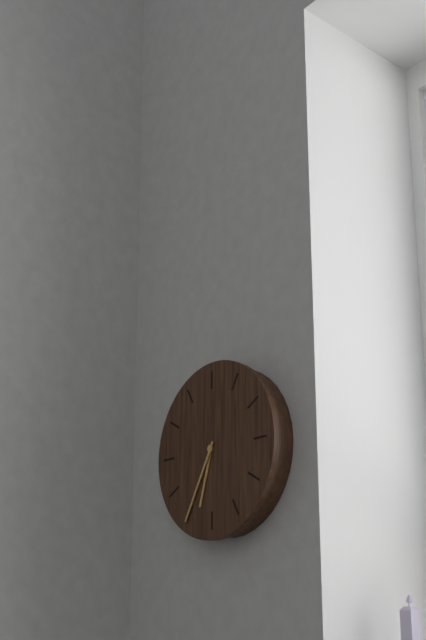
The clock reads 6.35
